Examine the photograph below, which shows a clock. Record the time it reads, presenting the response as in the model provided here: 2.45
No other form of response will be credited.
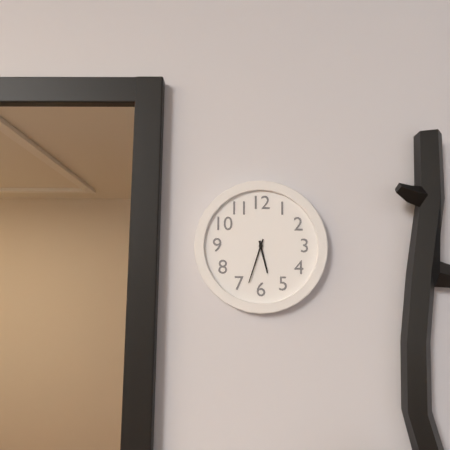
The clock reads 5.33
